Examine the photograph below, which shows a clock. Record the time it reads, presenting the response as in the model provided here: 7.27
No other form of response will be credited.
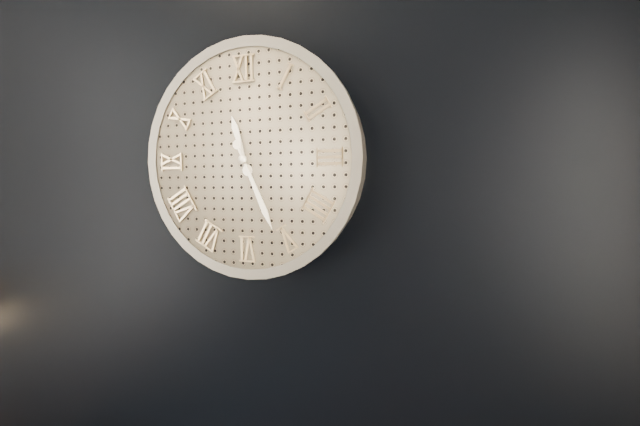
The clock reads 11.26
